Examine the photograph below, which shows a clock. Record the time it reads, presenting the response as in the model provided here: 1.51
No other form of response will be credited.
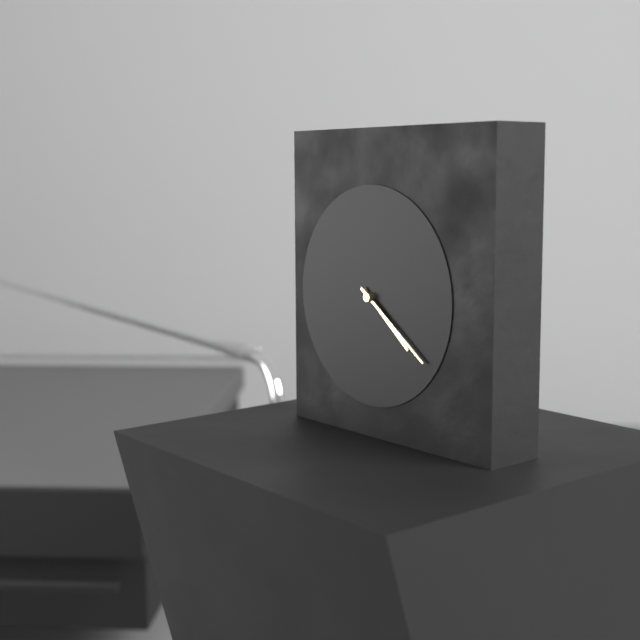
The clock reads 4.21
